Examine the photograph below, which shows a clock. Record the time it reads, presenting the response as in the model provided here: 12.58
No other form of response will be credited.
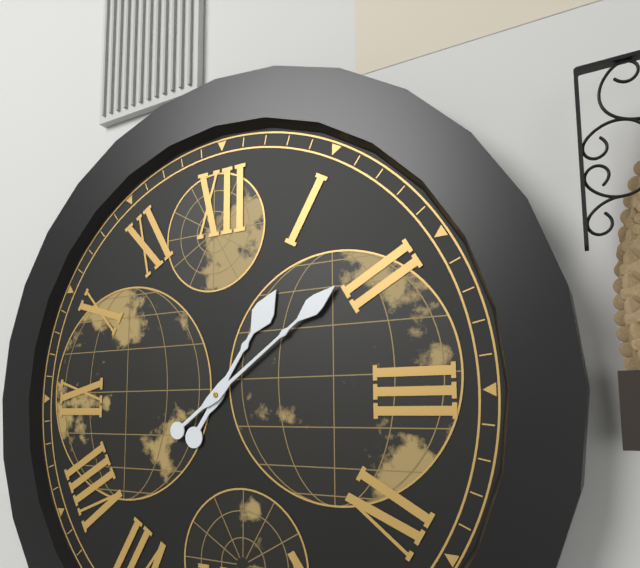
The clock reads 1.09
